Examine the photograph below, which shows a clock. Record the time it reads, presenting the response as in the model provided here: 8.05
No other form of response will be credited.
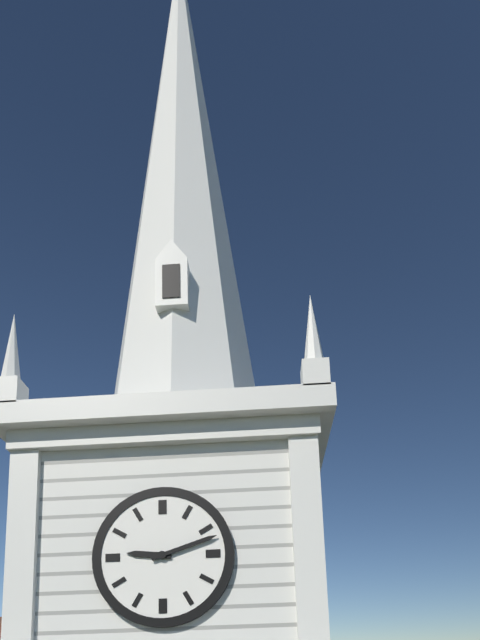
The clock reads 9.12
